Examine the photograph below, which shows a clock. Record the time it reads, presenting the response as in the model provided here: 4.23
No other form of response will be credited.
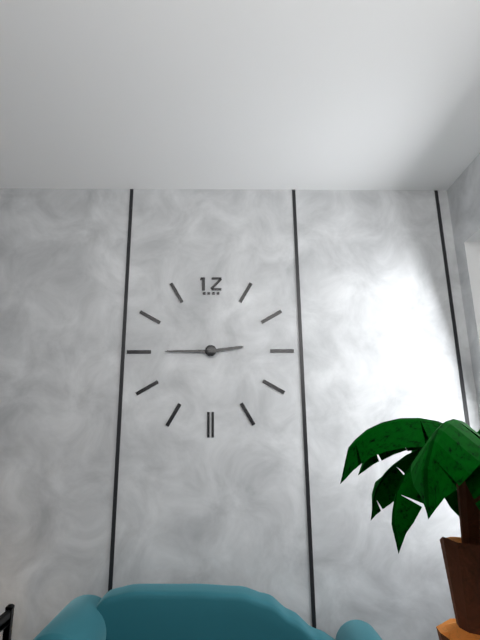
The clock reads 2.45
